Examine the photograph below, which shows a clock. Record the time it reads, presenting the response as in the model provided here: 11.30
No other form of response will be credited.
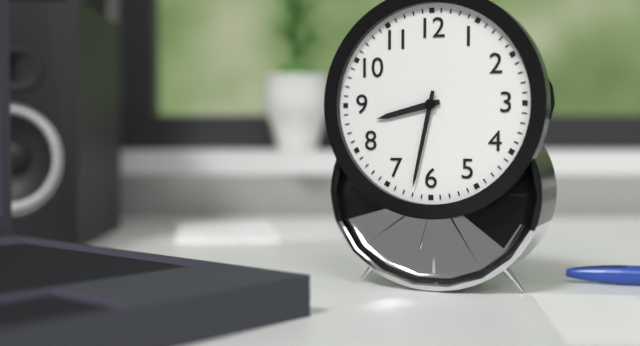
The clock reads 8.32
